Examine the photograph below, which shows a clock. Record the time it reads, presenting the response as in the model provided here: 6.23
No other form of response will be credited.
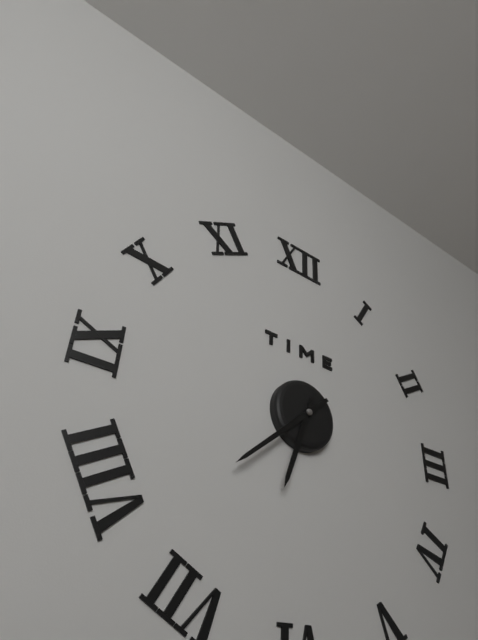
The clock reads 6.38
